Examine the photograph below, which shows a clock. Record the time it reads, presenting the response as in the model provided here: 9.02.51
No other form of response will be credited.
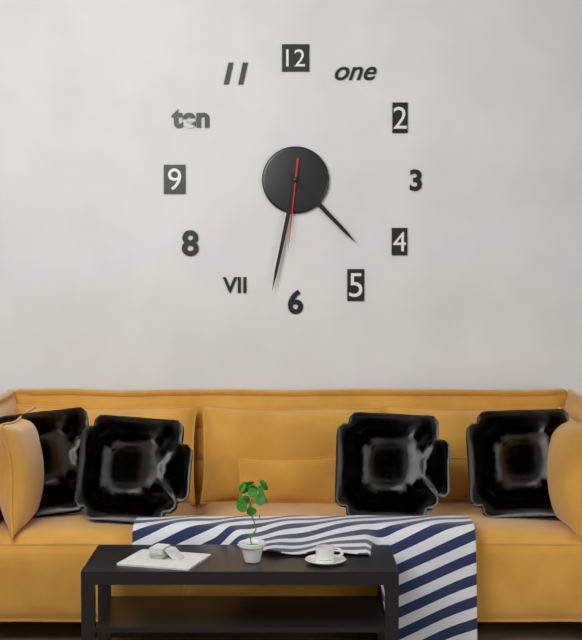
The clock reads 4.32.31
